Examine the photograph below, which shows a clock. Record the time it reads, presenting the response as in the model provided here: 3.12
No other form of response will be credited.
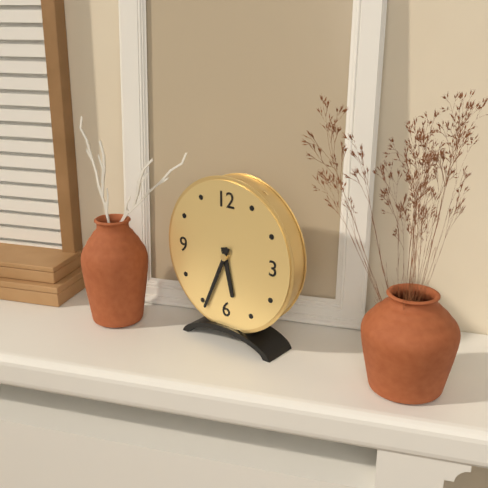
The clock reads 5.34
